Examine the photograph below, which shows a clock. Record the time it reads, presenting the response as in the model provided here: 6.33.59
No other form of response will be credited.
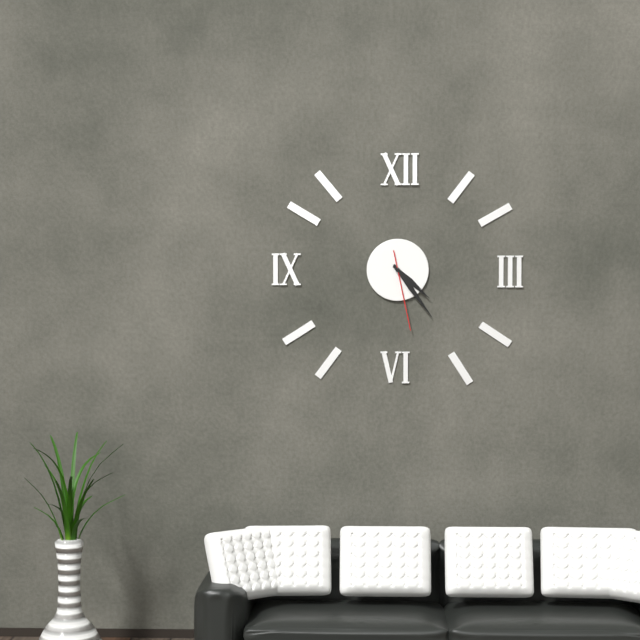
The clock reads 4.24.28
